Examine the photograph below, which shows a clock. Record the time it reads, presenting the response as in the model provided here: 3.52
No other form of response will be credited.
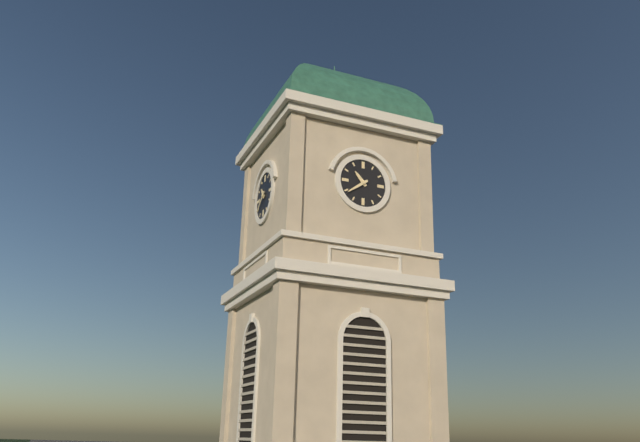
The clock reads 10.39
